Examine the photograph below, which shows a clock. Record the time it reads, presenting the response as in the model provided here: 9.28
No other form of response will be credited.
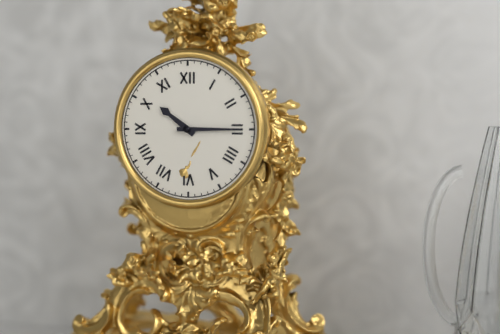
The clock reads 10.15
